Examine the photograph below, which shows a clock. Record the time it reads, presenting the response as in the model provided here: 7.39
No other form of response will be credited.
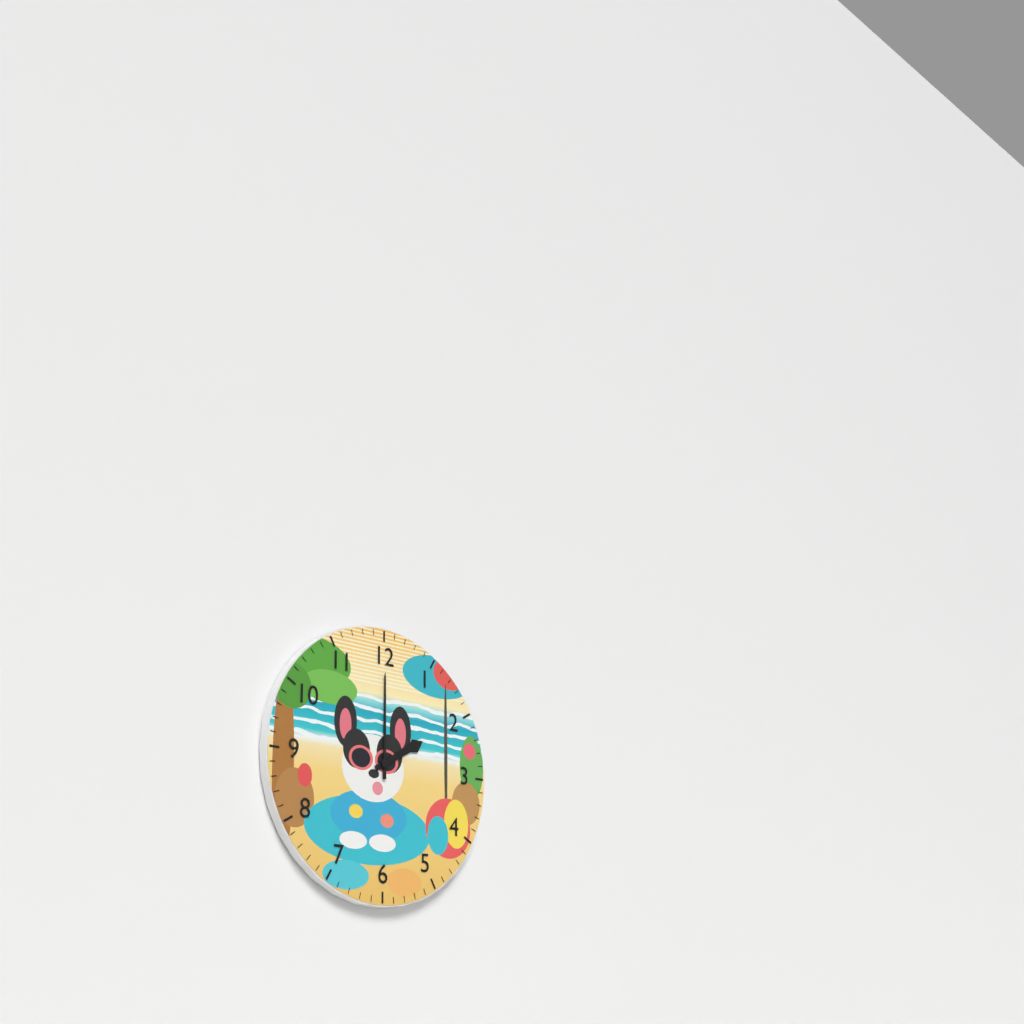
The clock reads 2.00
